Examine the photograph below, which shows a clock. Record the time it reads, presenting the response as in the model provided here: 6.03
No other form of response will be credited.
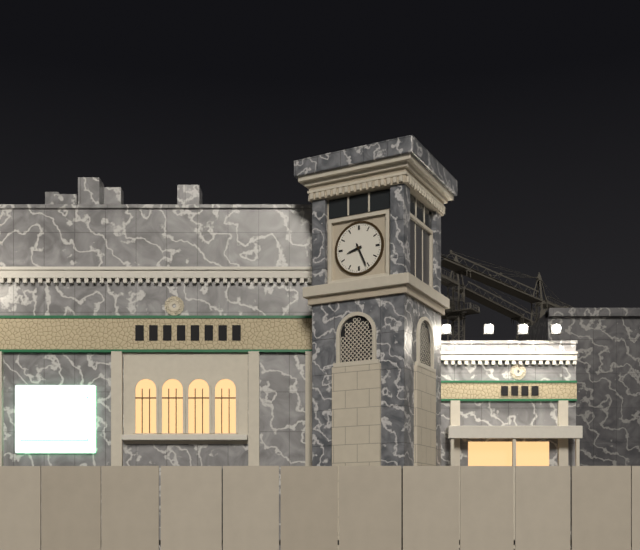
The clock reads 8.26
